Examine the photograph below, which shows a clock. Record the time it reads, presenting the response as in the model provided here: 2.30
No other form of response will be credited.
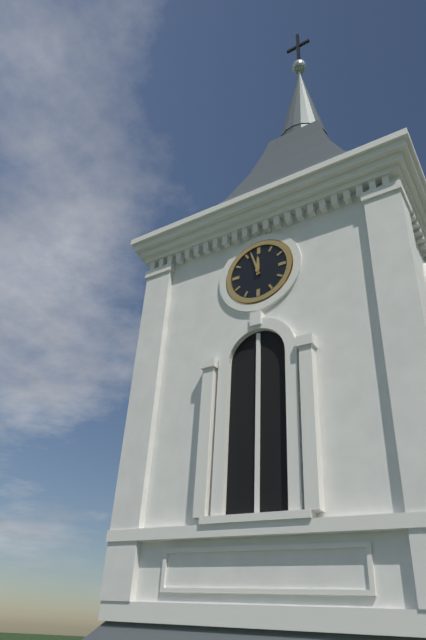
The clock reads 11.57
